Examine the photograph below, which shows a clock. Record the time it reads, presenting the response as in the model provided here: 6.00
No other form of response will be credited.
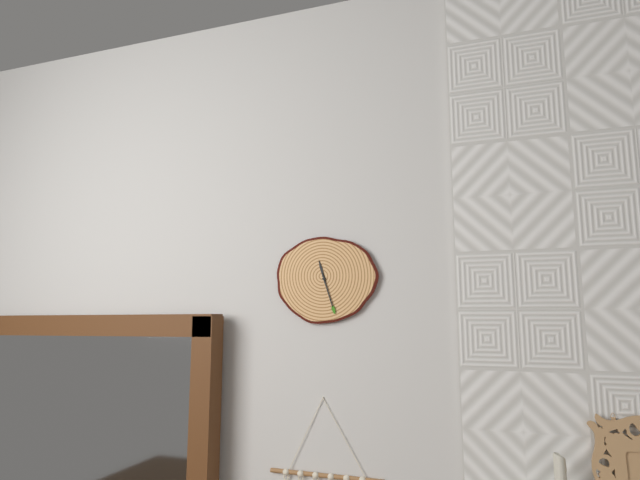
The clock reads 11.27
